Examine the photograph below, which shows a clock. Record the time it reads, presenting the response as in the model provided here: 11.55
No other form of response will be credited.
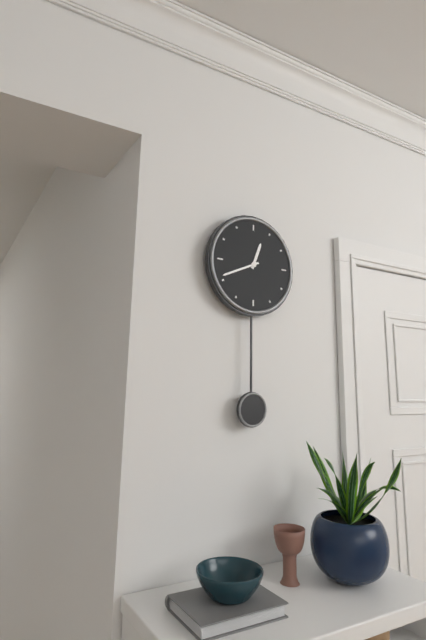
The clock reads 12.41
